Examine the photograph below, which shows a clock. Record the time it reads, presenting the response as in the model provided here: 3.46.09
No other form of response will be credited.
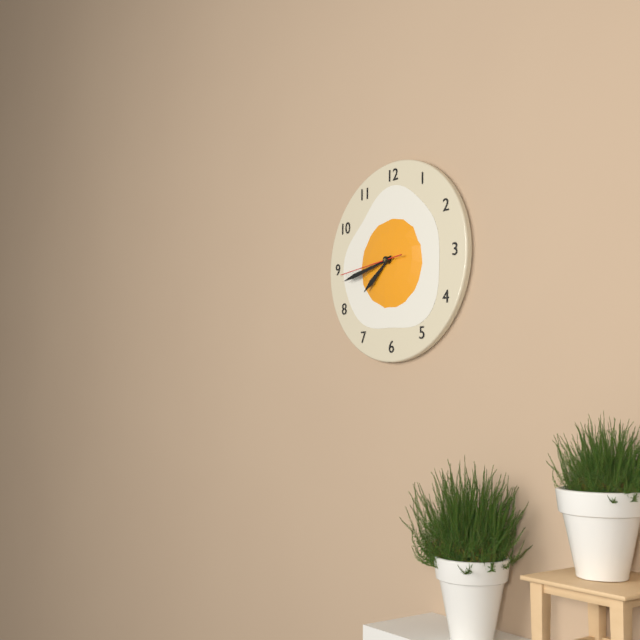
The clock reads 7.43.44
